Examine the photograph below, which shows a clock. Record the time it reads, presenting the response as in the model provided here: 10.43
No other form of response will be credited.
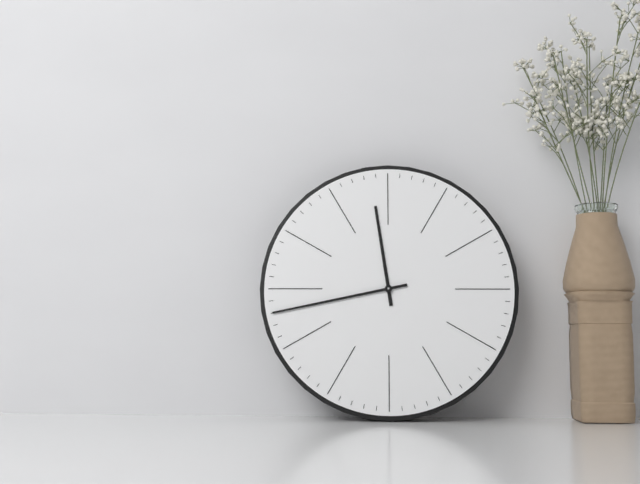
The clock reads 11.43
